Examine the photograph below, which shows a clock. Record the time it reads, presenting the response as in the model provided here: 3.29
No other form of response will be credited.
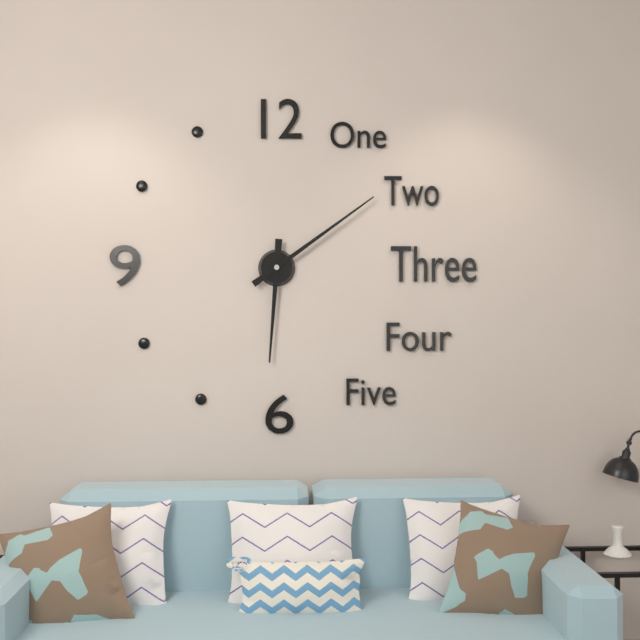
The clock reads 6.09
